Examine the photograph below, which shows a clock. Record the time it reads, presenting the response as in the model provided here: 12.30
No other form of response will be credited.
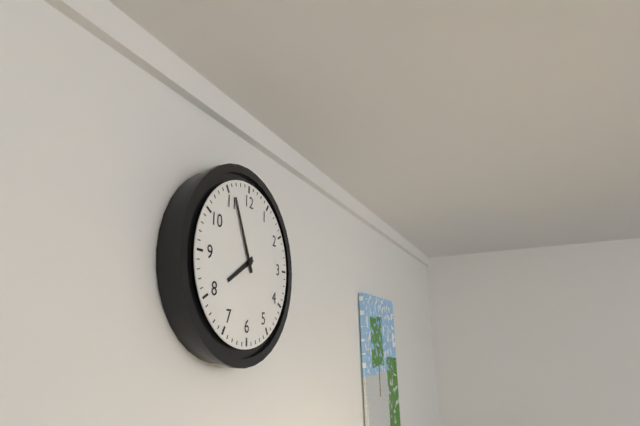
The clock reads 7.56
